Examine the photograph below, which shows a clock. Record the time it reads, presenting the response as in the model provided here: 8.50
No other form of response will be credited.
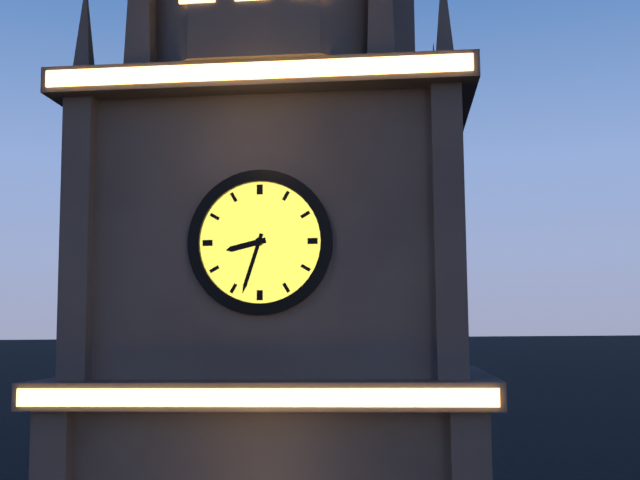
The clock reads 8.33
